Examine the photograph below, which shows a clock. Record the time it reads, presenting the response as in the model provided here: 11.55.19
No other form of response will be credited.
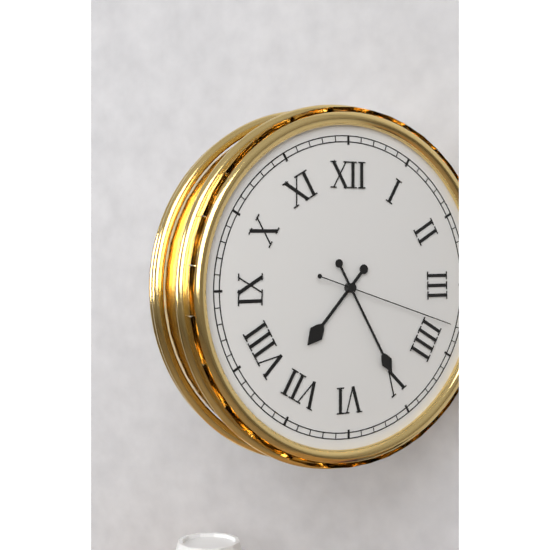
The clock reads 7.25.18
